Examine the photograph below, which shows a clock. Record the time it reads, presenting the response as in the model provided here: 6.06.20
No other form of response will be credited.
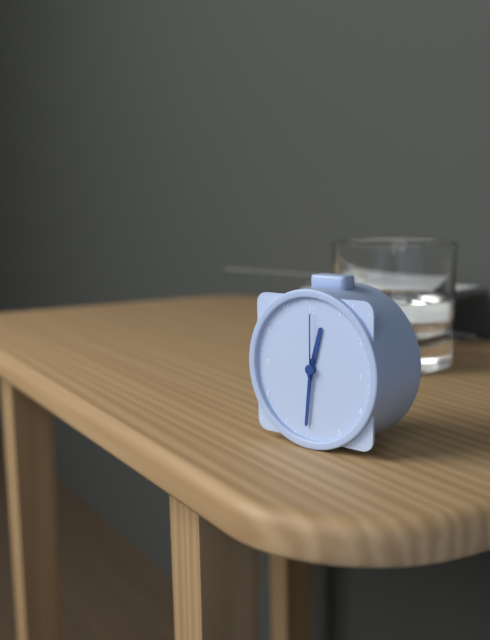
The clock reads 12.31.00
